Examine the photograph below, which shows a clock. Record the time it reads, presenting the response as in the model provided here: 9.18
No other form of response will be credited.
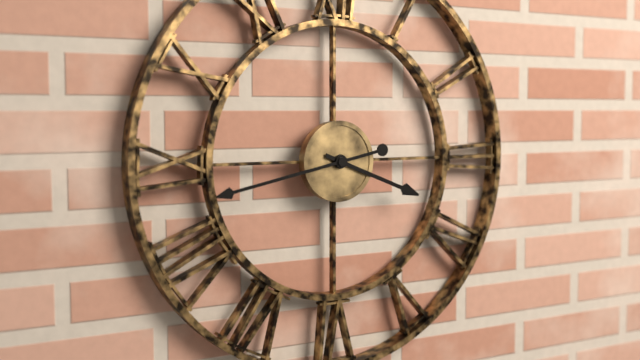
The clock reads 3.43
